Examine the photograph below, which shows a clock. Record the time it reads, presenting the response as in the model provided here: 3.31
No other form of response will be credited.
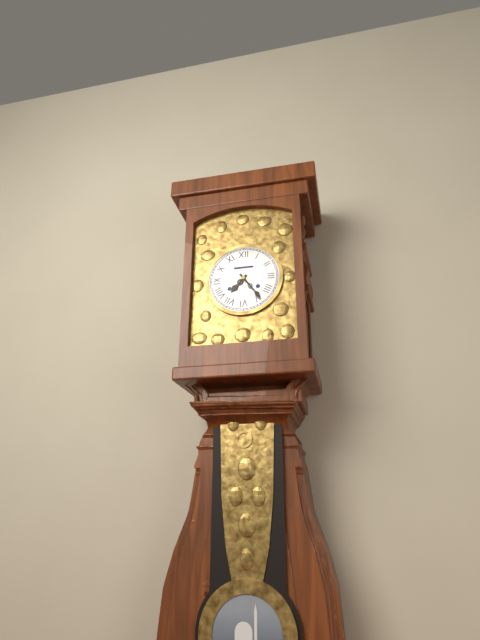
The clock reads 7.24
